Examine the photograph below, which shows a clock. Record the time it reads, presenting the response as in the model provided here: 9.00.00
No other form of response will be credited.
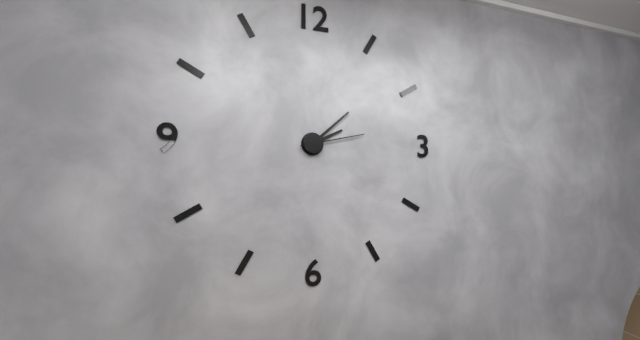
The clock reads 2.08.13
